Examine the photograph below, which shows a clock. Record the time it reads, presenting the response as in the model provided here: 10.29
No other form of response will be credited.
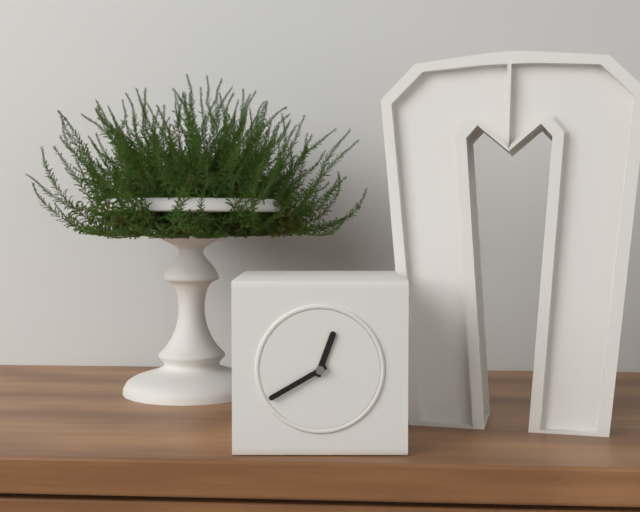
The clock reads 12.40
